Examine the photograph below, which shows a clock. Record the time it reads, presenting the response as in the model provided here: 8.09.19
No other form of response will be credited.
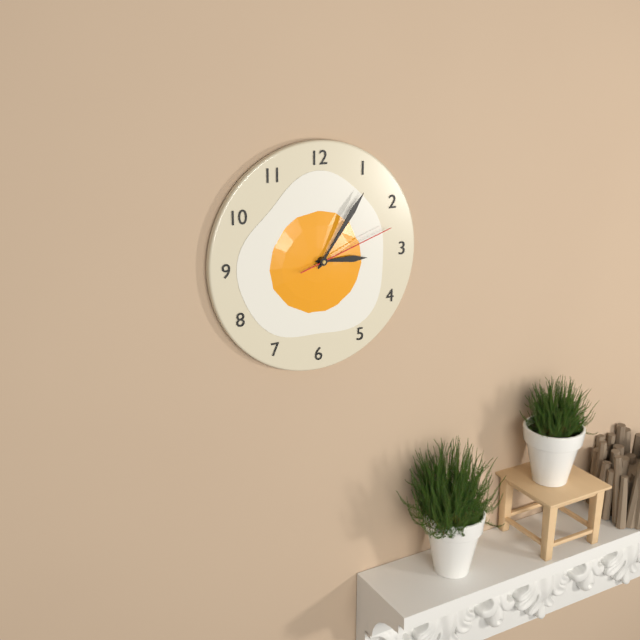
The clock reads 3.06.12
